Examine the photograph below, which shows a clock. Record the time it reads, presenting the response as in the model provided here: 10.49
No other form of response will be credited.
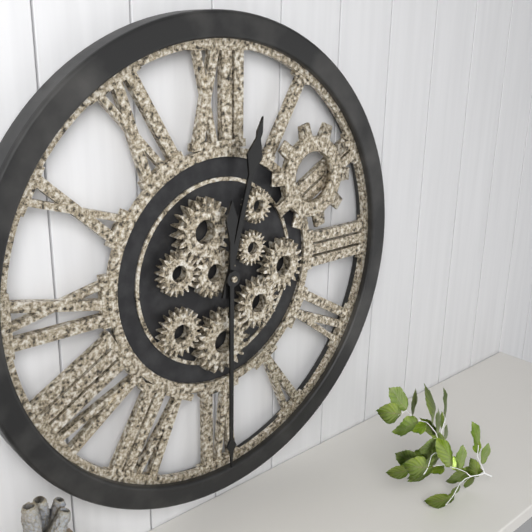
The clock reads 12.30
